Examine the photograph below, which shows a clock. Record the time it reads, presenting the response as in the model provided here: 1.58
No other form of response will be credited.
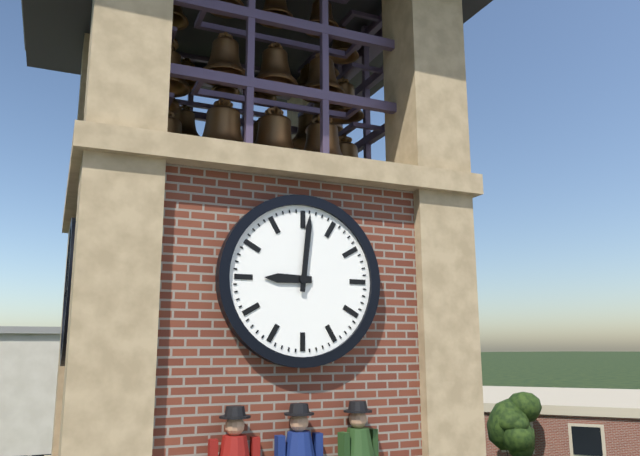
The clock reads 9.01
